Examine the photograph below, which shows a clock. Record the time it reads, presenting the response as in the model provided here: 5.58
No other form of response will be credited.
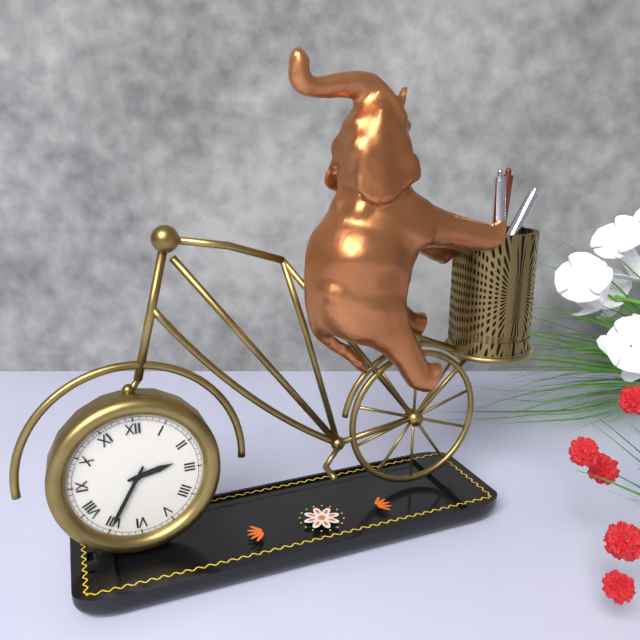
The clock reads 2.35
